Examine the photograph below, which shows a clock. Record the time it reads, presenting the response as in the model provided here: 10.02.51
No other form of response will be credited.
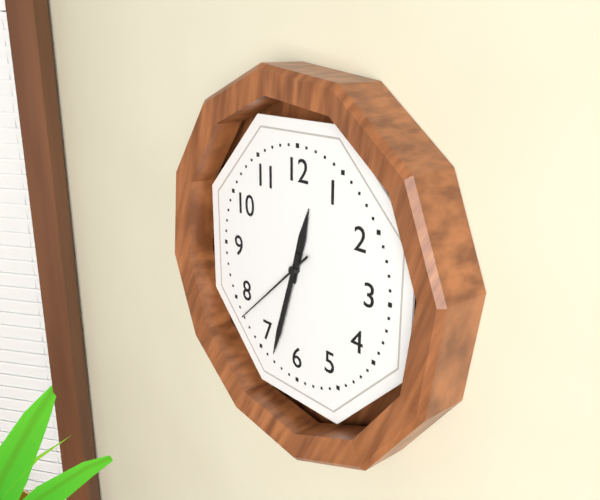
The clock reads 12.33.38
